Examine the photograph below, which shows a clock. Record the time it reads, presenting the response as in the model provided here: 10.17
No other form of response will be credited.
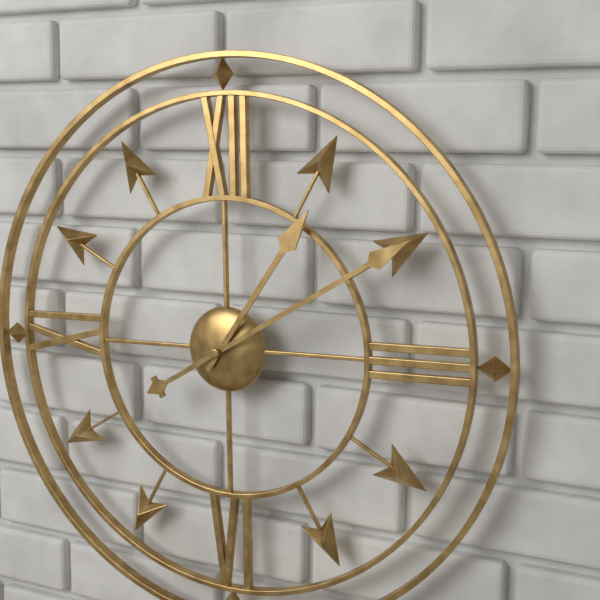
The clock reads 1.10
